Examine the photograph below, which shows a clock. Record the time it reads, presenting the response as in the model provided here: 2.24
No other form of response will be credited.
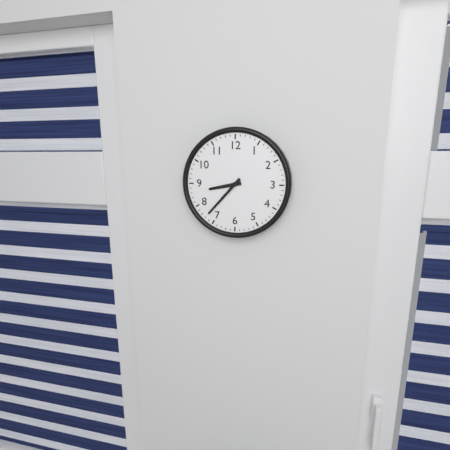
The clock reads 8.37
